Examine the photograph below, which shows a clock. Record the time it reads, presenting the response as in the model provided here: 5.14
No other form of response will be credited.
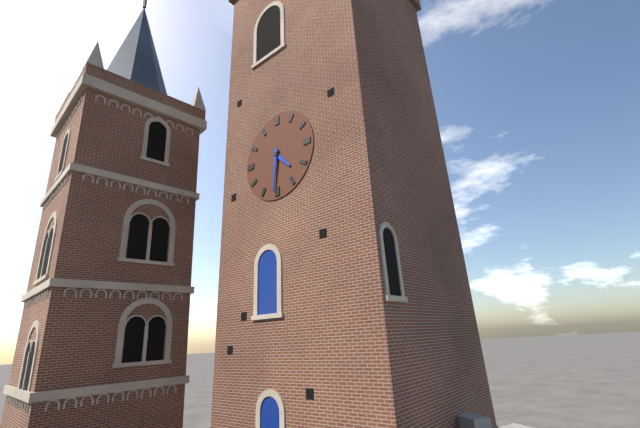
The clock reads 4.31
